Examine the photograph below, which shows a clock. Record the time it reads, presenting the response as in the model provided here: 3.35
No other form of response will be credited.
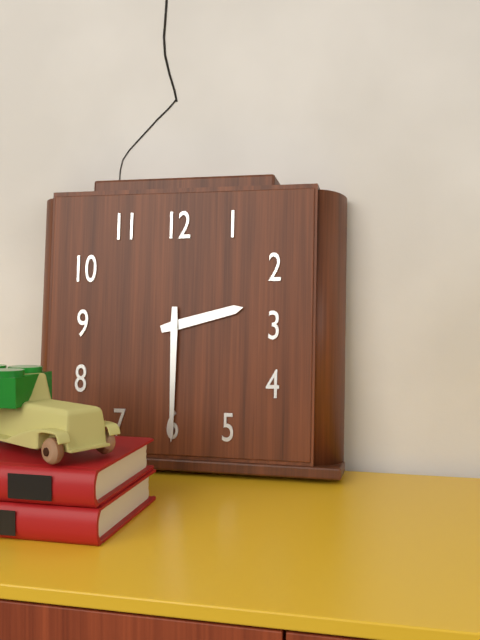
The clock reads 2.30
